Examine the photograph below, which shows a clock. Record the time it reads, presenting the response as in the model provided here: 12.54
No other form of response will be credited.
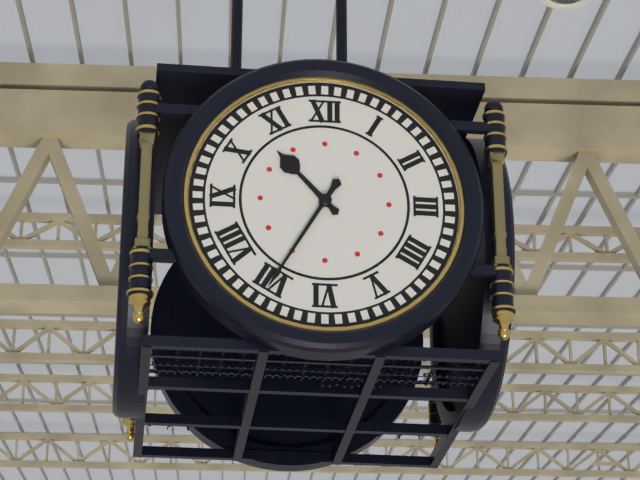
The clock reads 10.35
